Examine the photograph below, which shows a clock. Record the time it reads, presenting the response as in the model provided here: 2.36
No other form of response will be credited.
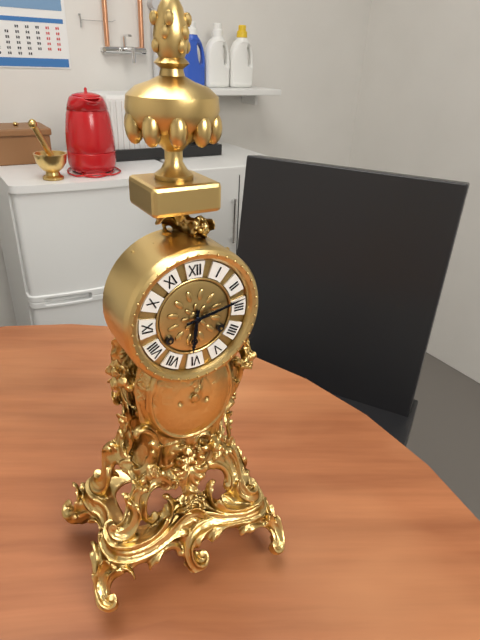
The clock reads 6.13
